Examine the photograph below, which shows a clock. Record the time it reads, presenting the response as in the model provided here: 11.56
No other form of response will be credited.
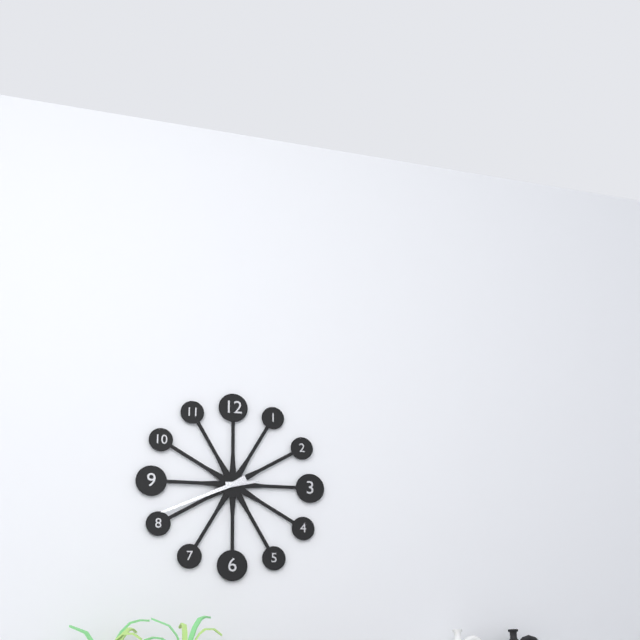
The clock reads 2.41
